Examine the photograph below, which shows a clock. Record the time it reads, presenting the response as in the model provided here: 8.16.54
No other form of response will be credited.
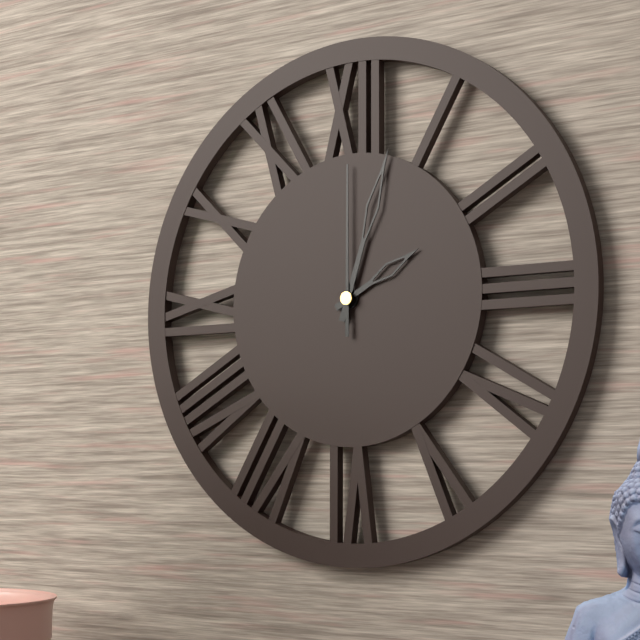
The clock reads 2.03.00
